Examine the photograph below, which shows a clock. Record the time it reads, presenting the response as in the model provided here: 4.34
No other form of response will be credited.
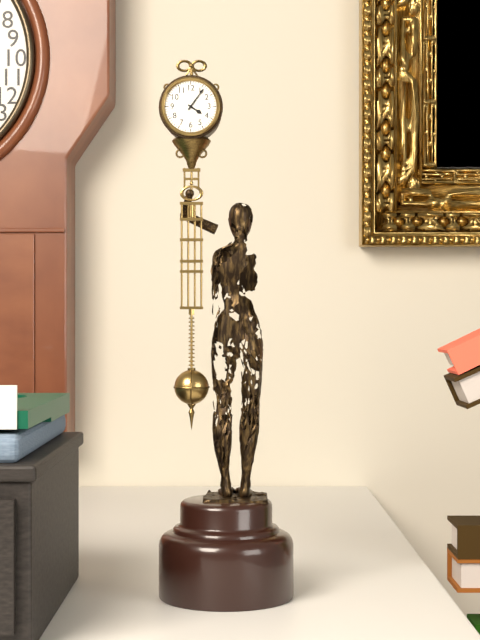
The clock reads 4.06
